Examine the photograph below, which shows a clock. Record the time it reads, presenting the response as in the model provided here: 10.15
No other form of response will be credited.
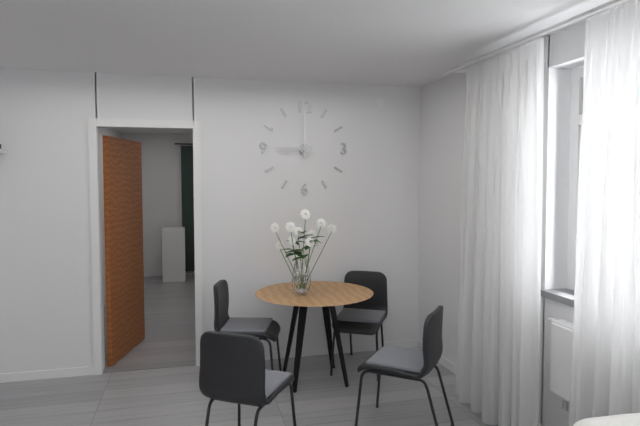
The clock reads 9.00
